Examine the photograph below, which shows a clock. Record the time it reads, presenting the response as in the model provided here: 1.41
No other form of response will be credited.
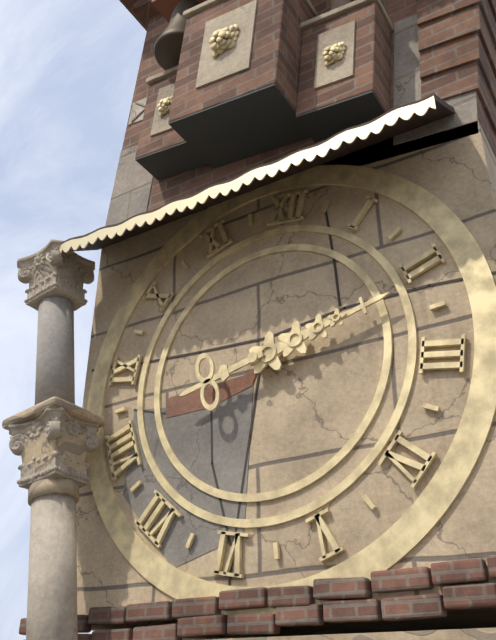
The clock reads 8.11
